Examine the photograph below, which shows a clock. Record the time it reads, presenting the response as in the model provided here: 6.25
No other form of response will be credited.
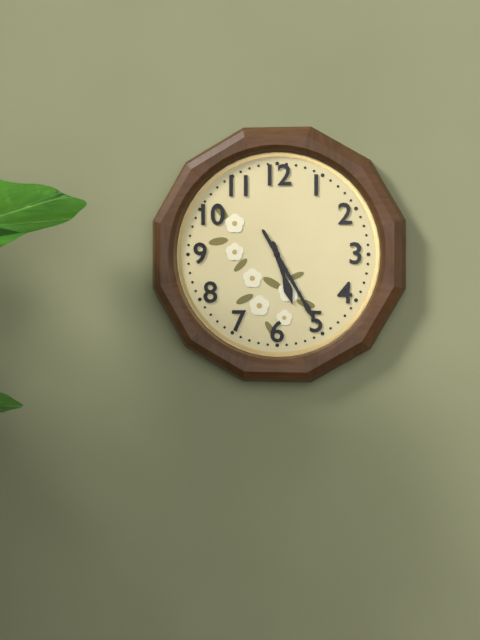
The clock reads 5.25
